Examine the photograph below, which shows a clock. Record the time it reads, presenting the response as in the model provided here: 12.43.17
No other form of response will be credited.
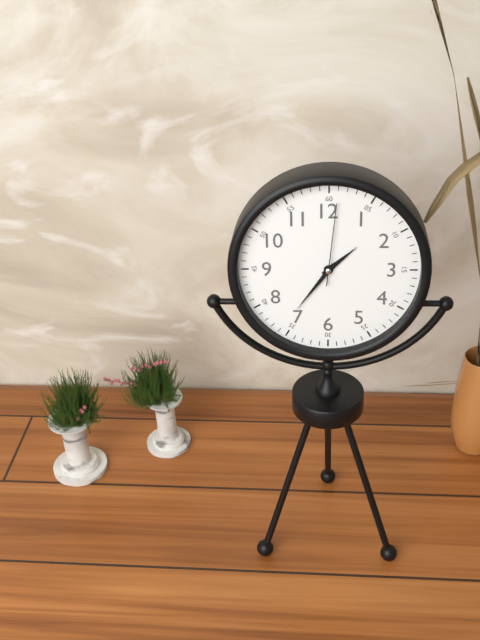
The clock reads 1.36.01
